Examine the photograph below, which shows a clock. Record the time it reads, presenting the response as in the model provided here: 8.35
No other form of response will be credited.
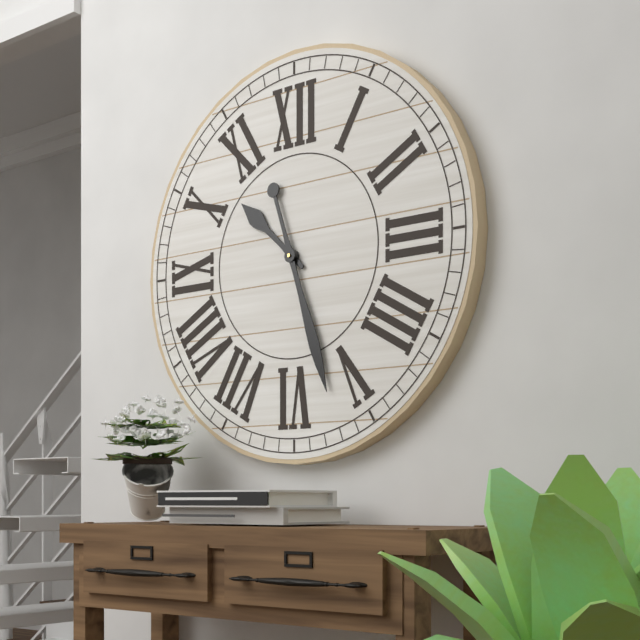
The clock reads 10.27
